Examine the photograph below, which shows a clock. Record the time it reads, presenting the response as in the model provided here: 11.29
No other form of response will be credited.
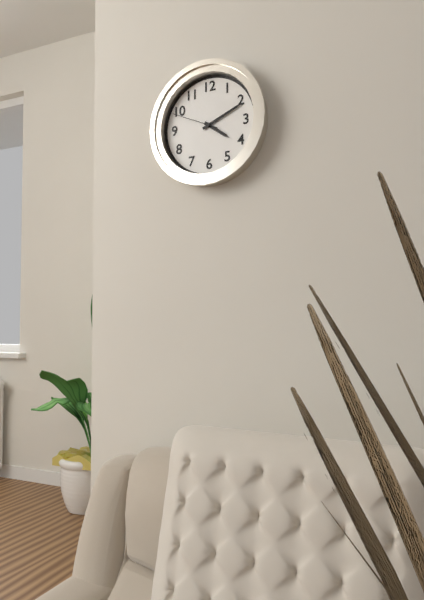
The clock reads 4.11
